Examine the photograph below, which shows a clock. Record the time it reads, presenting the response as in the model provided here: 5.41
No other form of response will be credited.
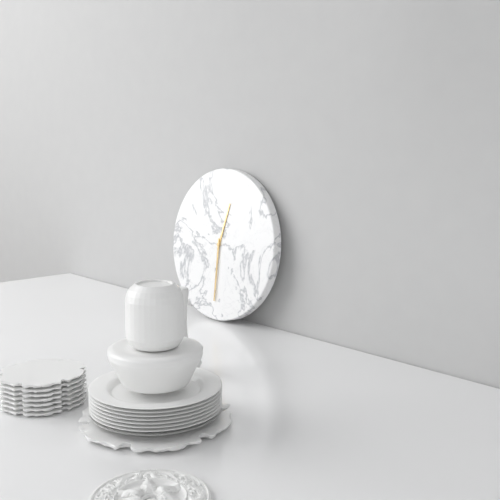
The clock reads 12.30
